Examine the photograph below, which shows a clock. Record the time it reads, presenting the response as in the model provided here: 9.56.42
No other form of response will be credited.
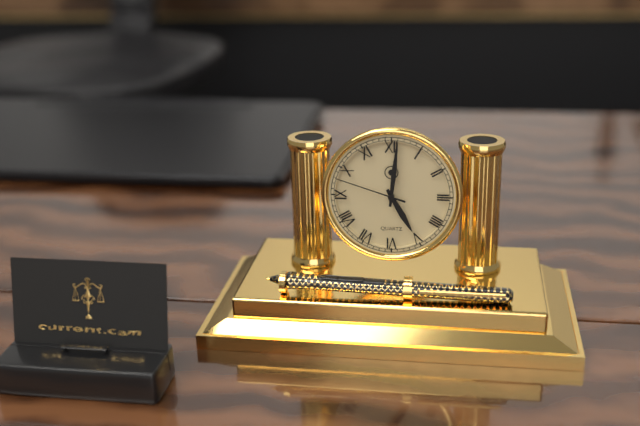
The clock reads 5.01.48
